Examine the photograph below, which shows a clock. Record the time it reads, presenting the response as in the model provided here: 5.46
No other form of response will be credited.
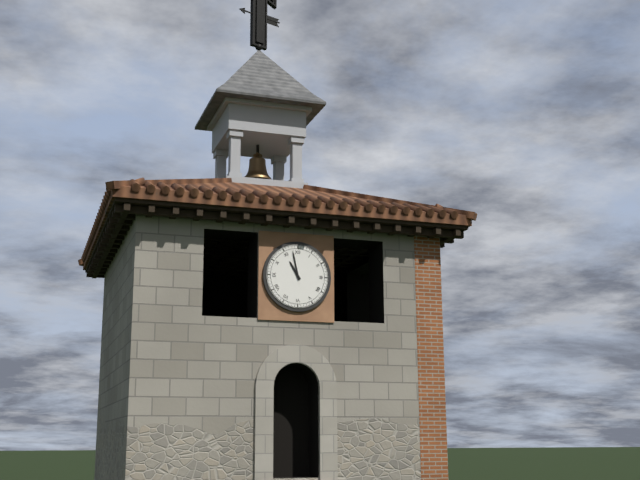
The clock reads 10.58
